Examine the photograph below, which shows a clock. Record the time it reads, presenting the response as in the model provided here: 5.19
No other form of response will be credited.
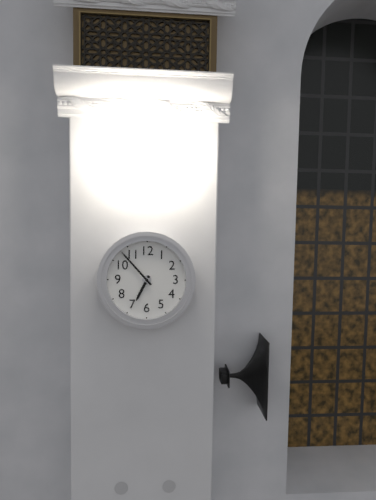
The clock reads 6.53
